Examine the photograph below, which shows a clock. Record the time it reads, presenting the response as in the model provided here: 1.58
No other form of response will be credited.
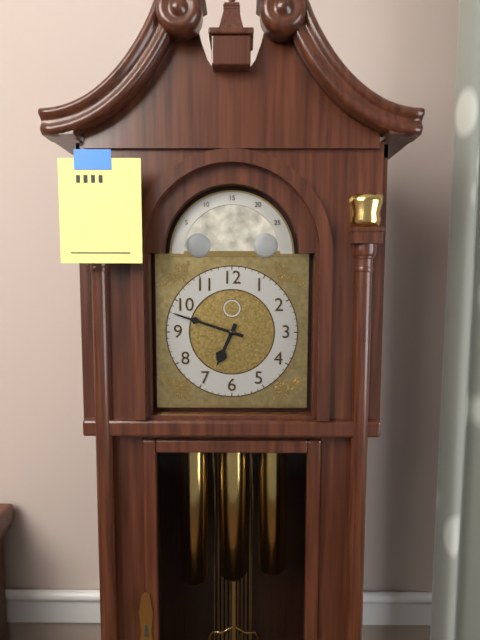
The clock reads 6.48
